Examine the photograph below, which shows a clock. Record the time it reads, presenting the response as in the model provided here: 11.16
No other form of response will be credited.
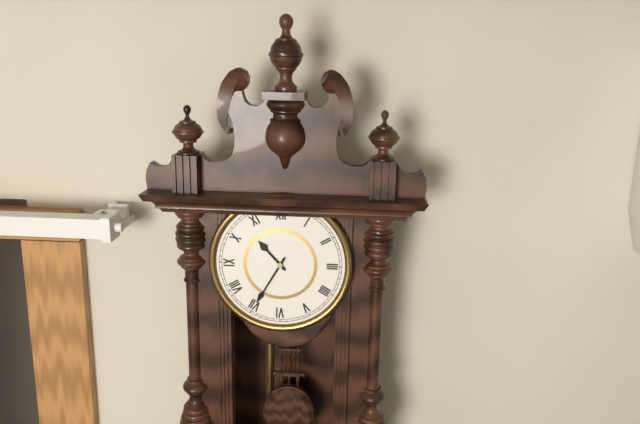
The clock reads 10.35
